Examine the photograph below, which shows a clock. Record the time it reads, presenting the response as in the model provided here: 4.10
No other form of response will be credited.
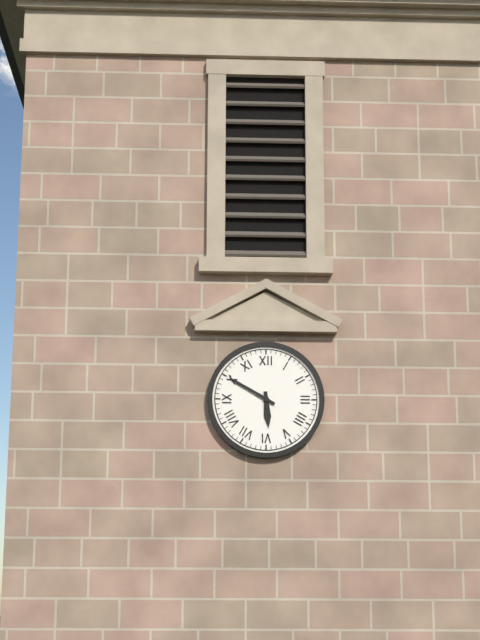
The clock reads 5.50
